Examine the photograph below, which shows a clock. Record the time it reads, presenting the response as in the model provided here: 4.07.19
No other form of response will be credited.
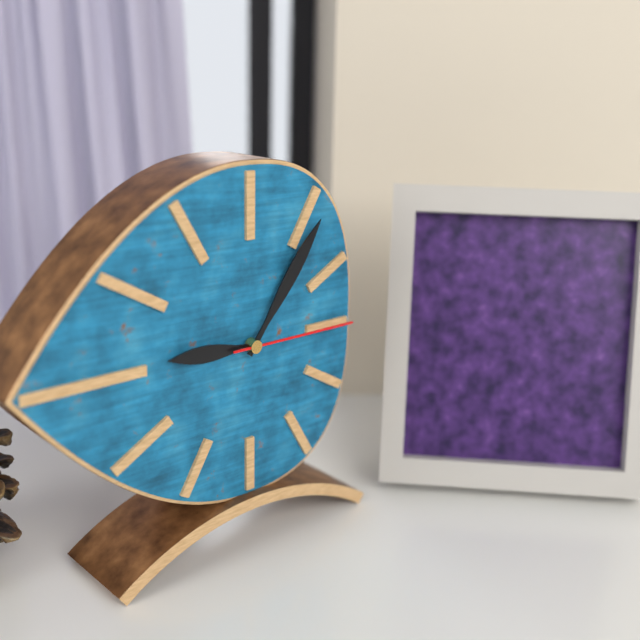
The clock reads 9.06.15
